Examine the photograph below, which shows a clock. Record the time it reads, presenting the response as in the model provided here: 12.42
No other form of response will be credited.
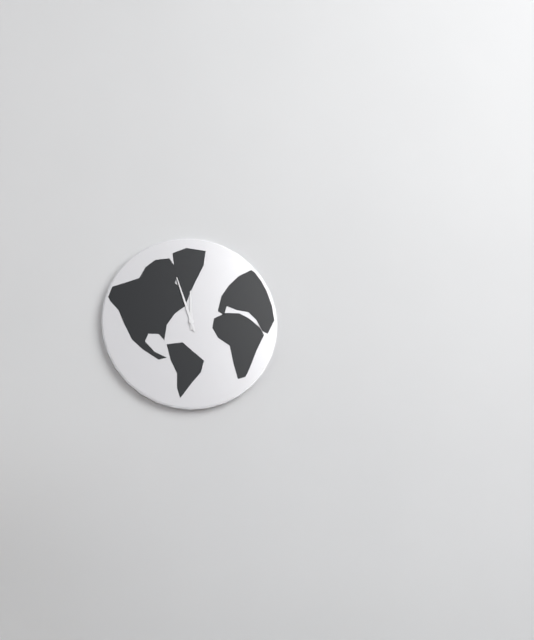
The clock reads 11.57
